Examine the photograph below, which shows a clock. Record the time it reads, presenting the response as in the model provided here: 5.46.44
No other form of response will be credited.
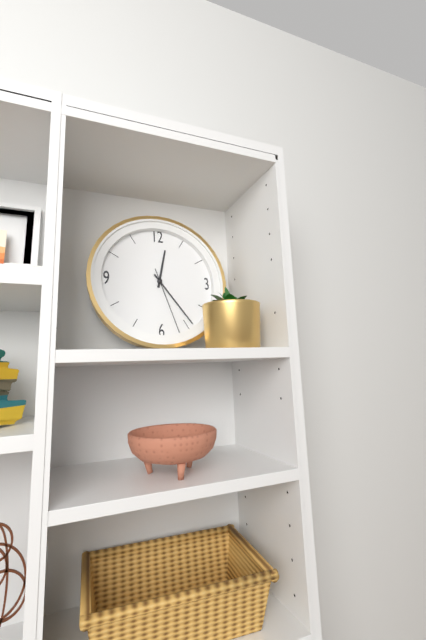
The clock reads 12.24.27
